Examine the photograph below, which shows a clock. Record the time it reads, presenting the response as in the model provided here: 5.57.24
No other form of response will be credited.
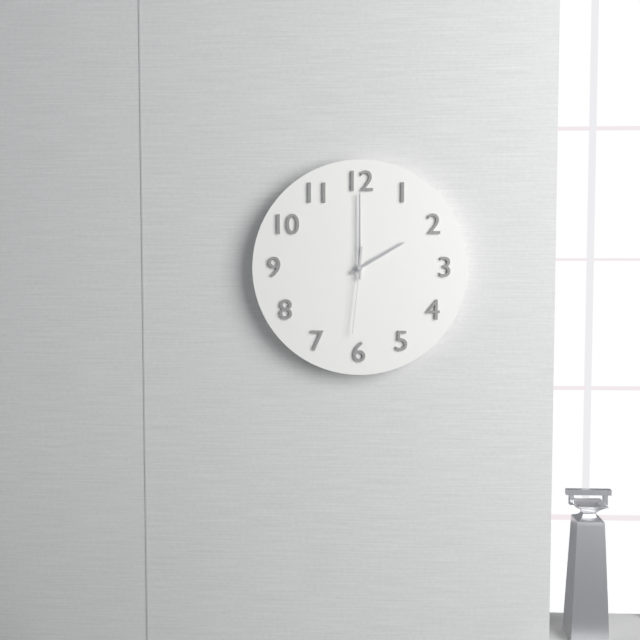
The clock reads 2.00.31
